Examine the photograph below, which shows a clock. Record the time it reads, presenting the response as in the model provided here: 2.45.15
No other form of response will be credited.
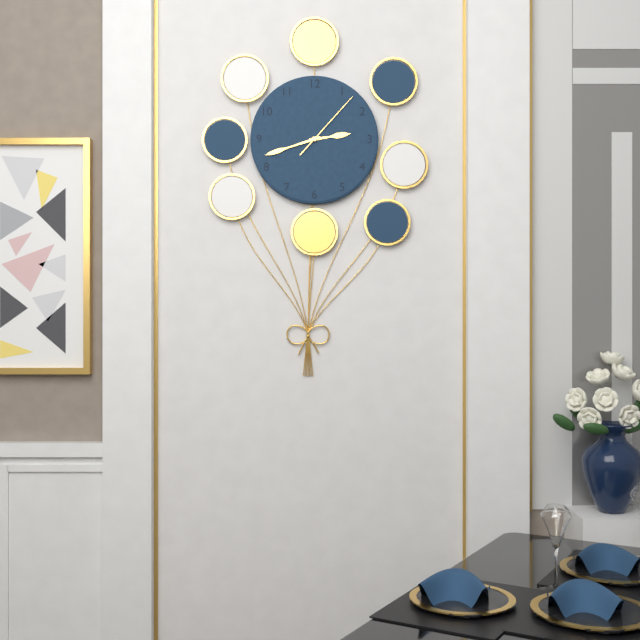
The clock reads 2.42.07
